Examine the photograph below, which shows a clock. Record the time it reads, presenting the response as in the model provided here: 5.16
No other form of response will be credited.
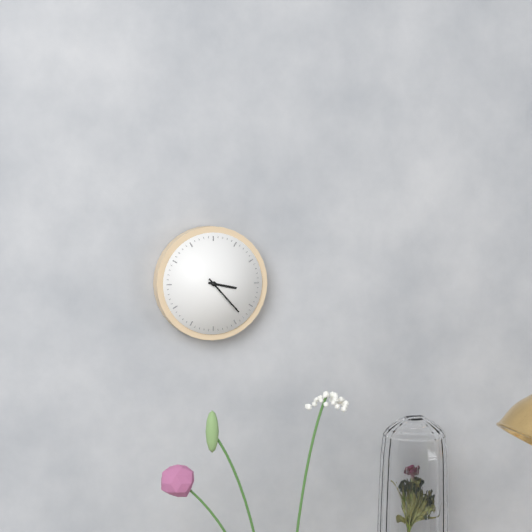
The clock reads 3.23
